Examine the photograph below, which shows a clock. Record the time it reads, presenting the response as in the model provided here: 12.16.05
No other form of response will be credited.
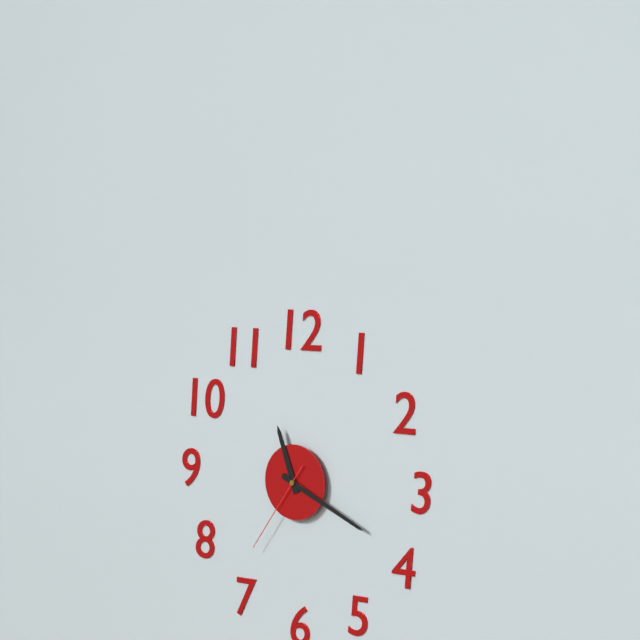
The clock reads 11.19.36
